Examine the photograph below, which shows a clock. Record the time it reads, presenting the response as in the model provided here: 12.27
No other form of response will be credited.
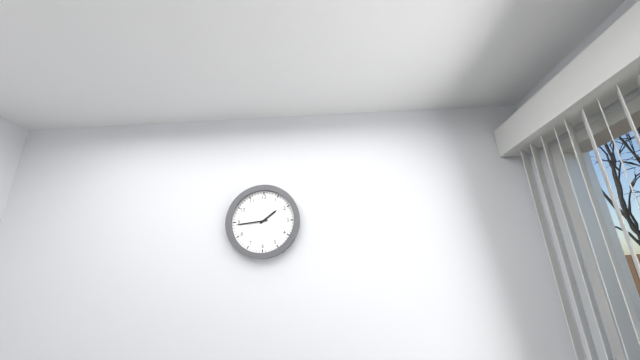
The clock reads 1.44
